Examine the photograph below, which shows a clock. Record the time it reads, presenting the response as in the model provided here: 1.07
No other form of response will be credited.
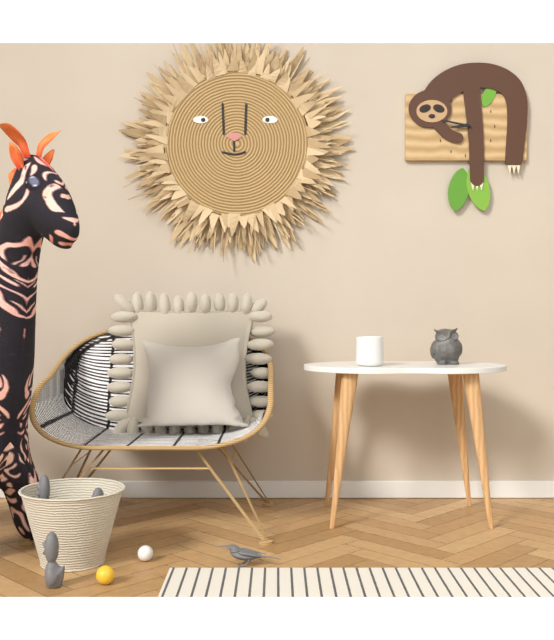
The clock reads 8.47
